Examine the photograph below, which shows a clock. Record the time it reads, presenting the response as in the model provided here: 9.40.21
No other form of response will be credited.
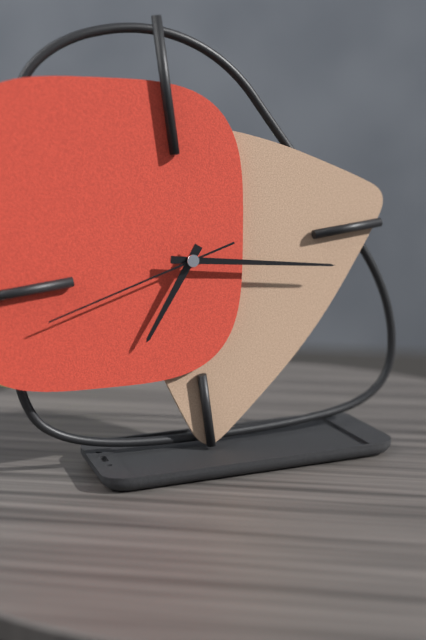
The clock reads 7.17.43
